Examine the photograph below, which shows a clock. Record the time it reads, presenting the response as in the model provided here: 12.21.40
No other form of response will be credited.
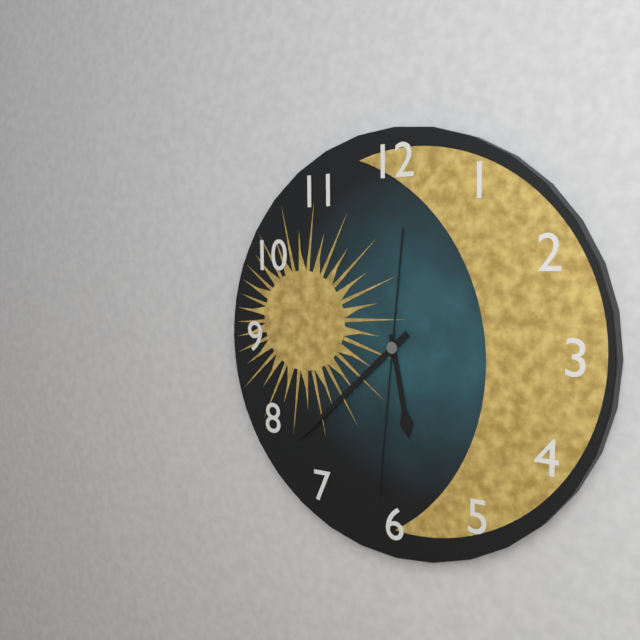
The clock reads 5.38.31
